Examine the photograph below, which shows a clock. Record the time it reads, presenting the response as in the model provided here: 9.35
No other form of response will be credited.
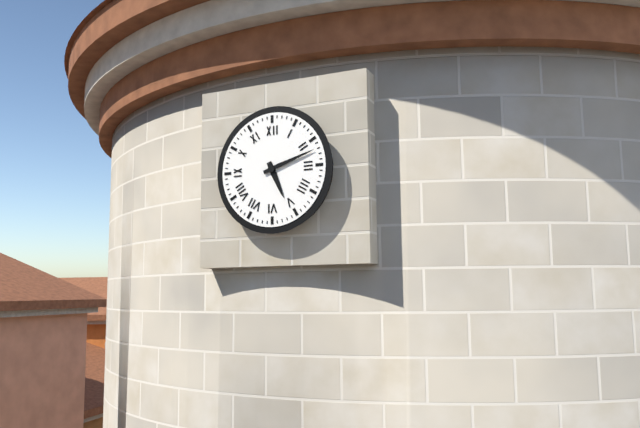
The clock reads 5.12
